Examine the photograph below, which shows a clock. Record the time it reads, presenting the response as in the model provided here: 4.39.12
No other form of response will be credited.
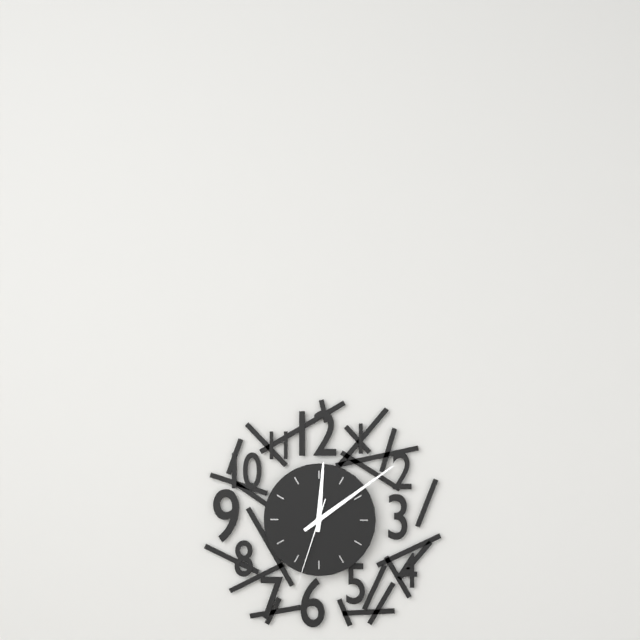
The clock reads 12.09.33
